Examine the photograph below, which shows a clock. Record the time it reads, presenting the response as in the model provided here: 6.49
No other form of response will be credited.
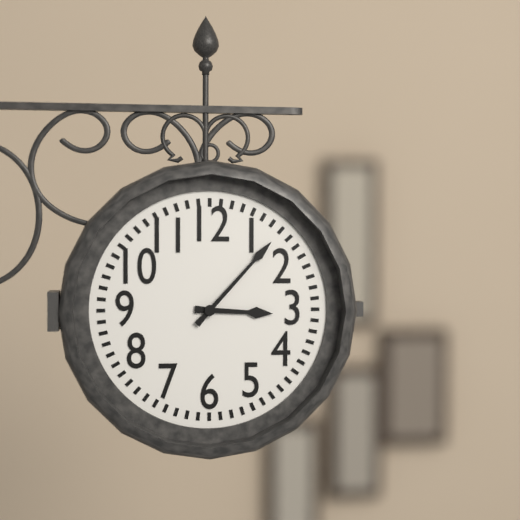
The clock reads 3.07
